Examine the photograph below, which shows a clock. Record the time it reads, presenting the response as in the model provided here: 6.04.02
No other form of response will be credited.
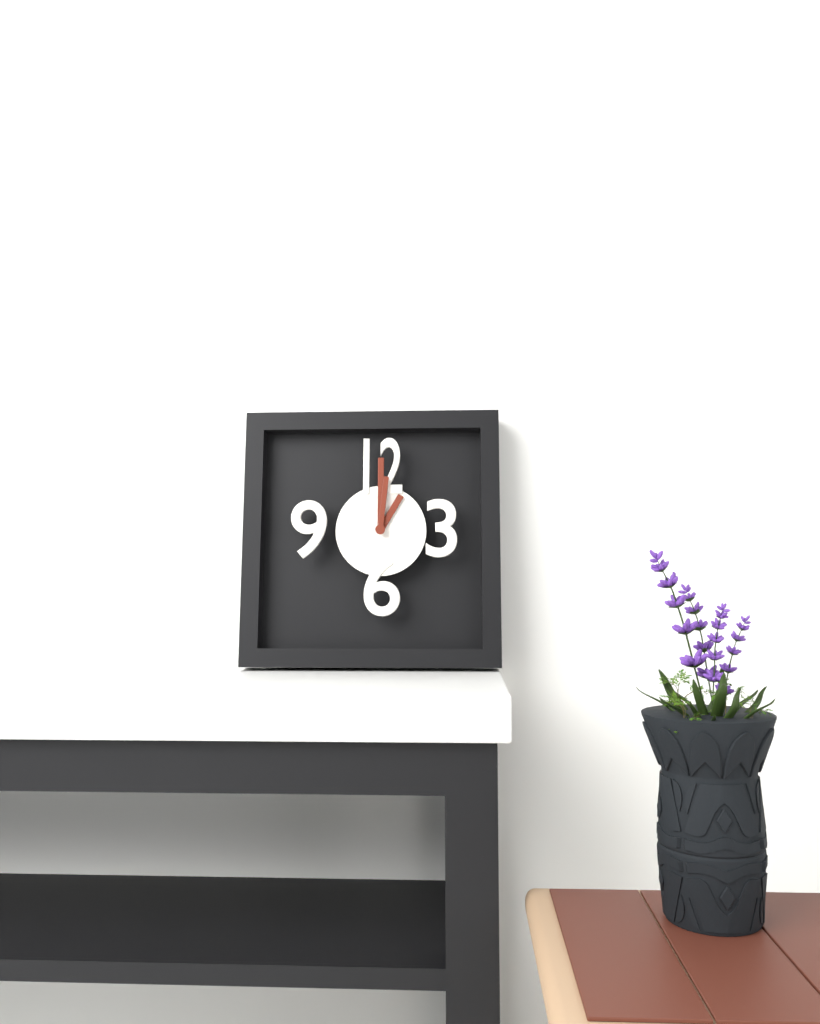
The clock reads 1.00.01
